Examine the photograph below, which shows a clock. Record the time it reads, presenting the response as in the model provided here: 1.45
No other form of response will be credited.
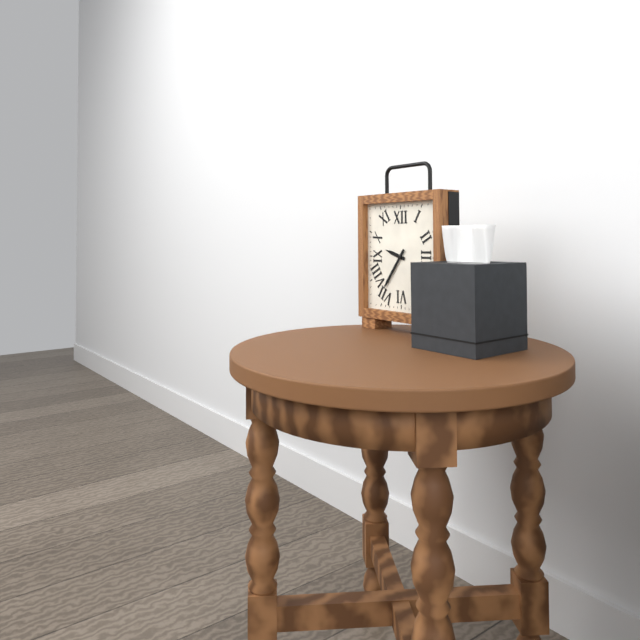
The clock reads 9.36
